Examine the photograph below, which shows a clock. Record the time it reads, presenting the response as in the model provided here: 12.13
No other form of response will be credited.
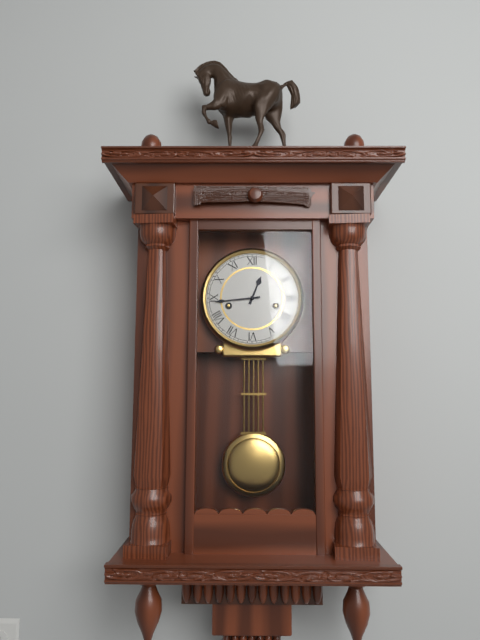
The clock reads 12.44
